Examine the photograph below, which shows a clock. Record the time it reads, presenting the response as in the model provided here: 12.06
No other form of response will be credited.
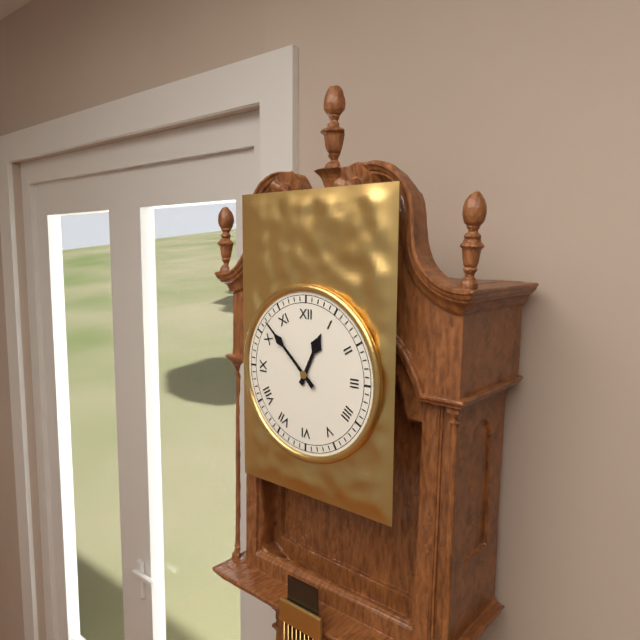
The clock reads 12.52
